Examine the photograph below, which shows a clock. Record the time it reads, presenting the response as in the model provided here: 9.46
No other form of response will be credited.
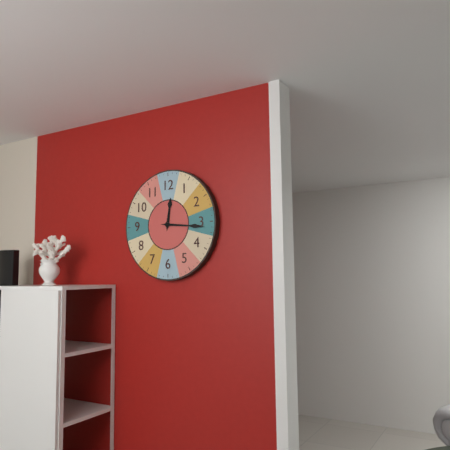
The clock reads 12.16
